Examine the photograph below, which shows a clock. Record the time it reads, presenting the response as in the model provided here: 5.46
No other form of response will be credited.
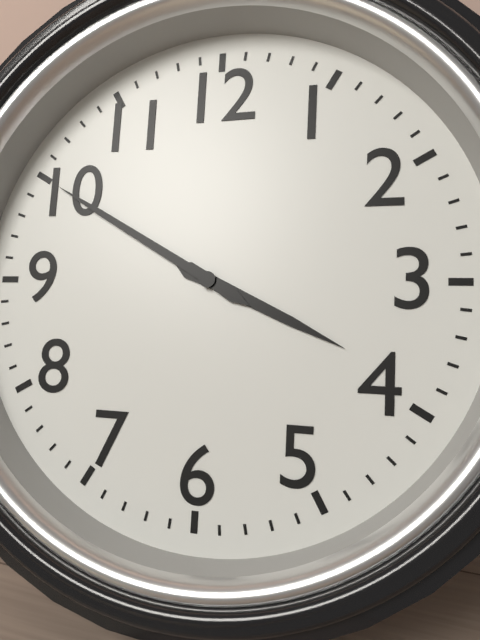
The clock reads 3.50
